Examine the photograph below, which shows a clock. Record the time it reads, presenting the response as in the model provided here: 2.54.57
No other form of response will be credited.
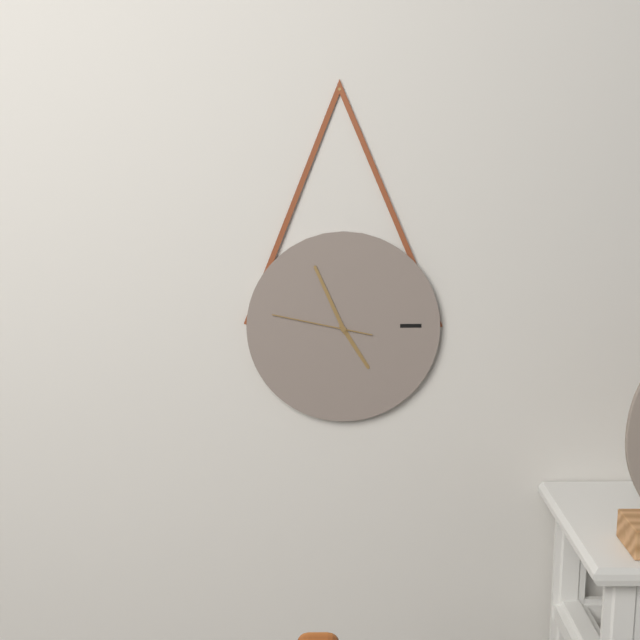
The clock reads 4.56.47
